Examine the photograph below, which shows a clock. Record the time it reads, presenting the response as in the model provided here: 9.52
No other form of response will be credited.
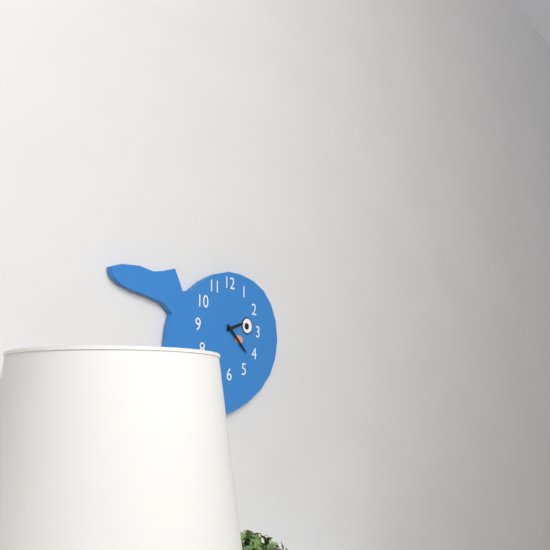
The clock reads 2.22
